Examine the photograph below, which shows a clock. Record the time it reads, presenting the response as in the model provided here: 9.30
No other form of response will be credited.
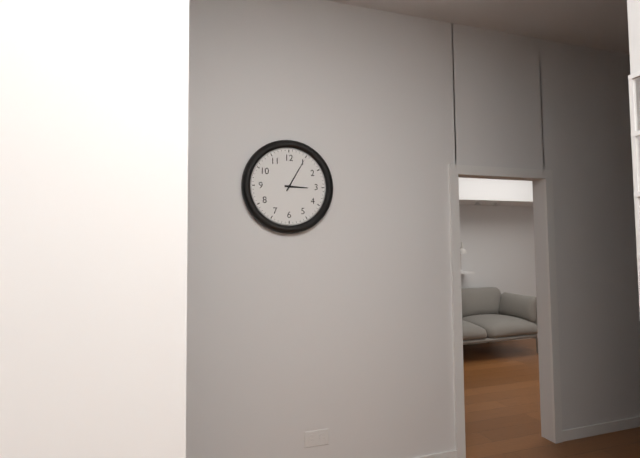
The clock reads 3.05
